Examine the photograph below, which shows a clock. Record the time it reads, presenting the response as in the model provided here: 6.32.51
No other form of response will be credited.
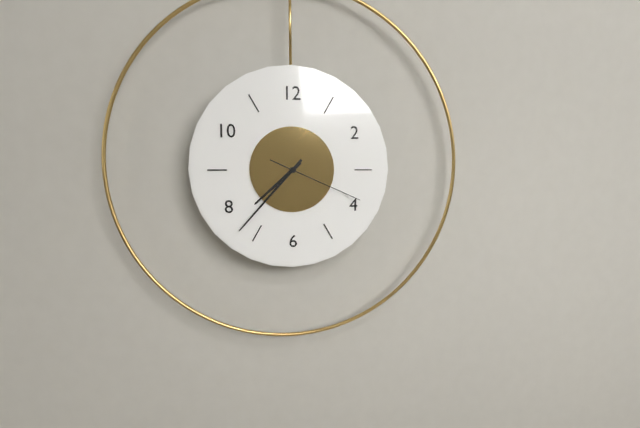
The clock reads 7.37.19
